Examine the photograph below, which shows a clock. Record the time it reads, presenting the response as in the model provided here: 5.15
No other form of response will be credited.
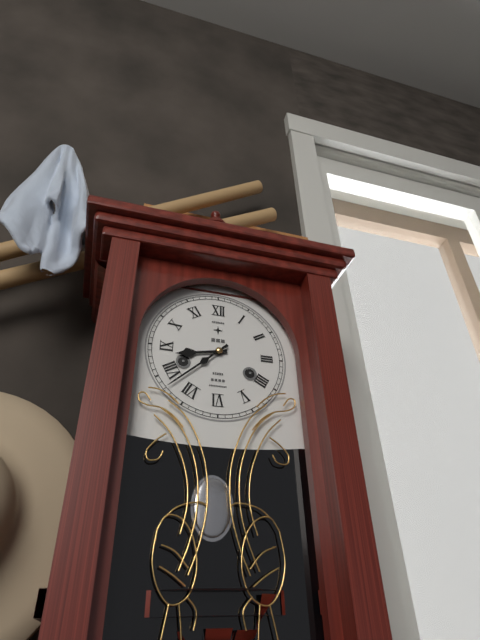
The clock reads 8.38
